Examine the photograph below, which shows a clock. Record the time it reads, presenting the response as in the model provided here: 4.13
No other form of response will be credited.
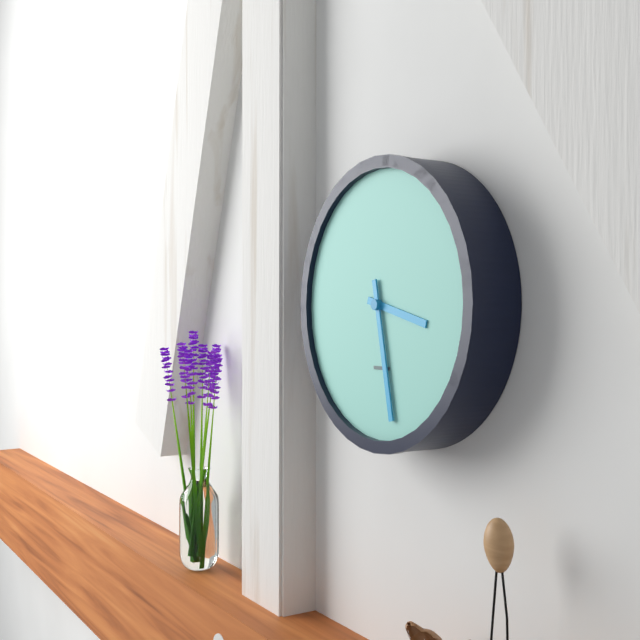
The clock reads 3.28
